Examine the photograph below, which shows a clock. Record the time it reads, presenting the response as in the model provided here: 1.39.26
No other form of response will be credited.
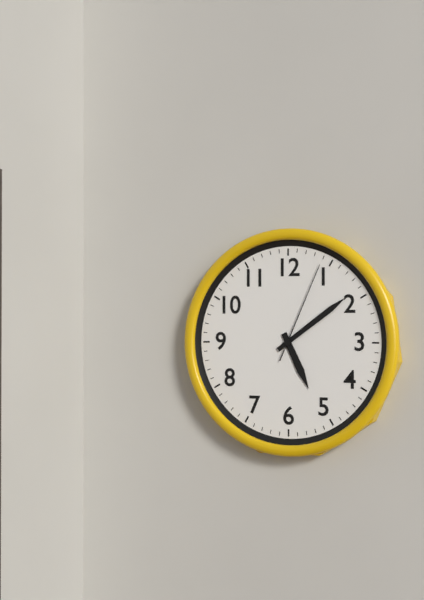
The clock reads 5.09.04
